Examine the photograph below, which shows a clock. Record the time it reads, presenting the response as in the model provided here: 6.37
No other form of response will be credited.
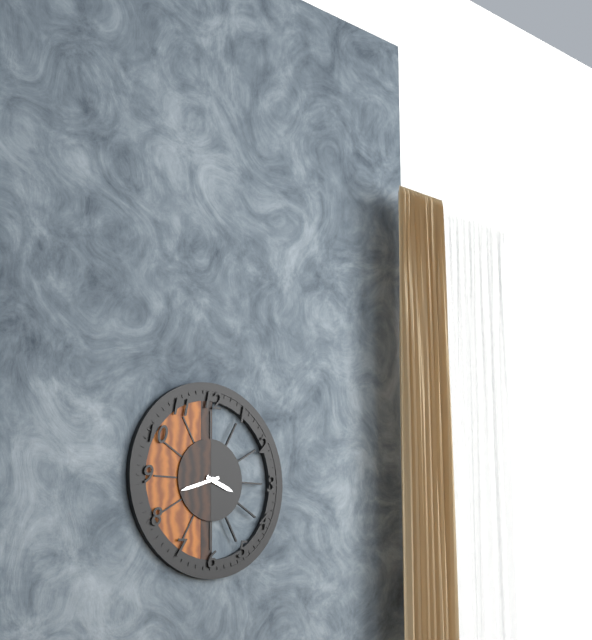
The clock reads 3.42
